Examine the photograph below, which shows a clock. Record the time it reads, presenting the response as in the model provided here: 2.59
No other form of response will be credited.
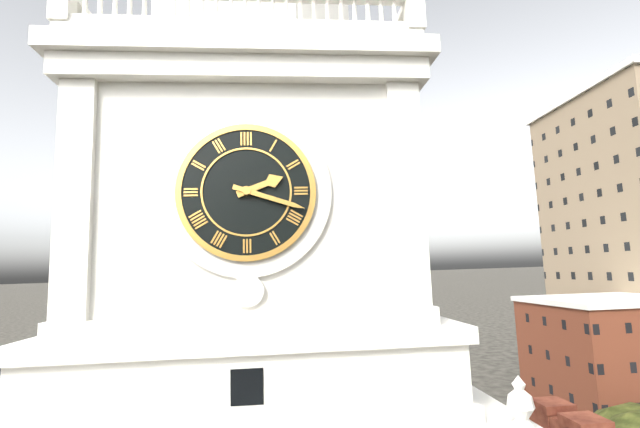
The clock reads 2.18
